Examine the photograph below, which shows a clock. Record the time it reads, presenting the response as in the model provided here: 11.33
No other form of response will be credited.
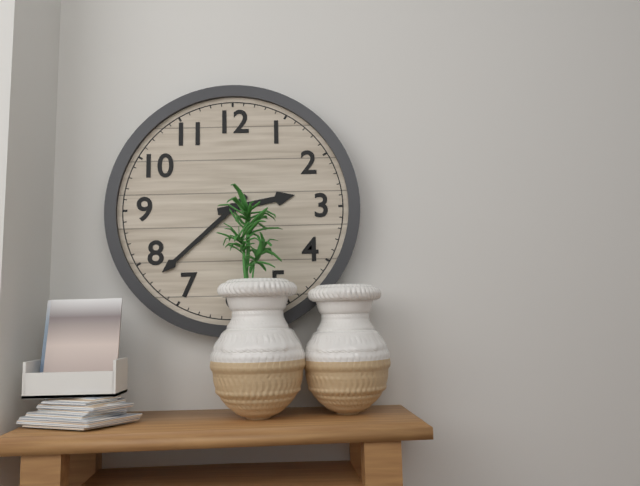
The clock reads 2.38
